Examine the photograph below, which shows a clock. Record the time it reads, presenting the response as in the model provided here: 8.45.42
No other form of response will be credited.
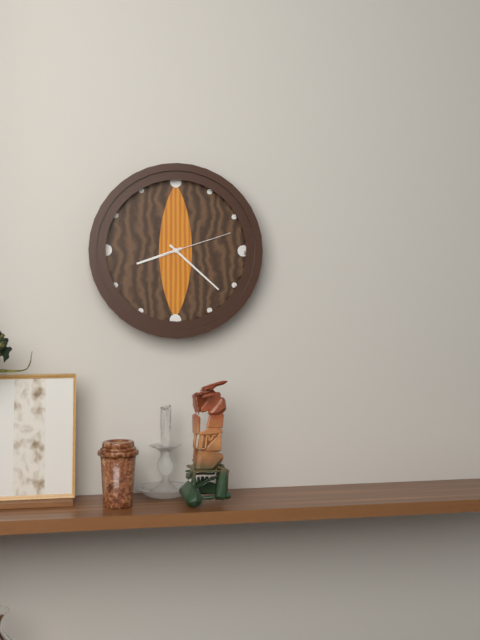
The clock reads 8.22.12
